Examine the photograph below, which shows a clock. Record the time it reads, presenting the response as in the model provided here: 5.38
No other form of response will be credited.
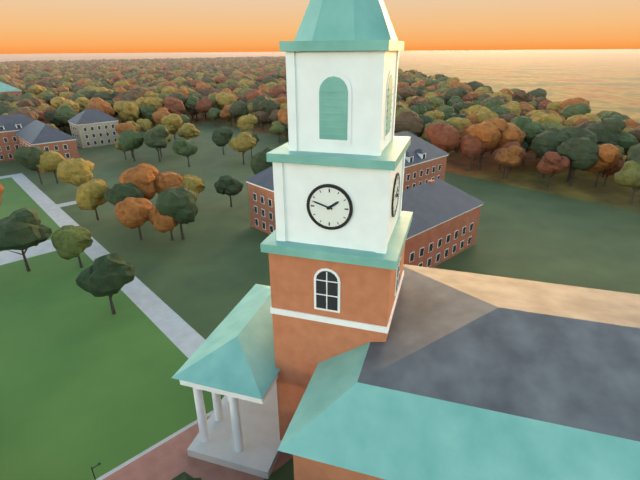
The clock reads 1.48
